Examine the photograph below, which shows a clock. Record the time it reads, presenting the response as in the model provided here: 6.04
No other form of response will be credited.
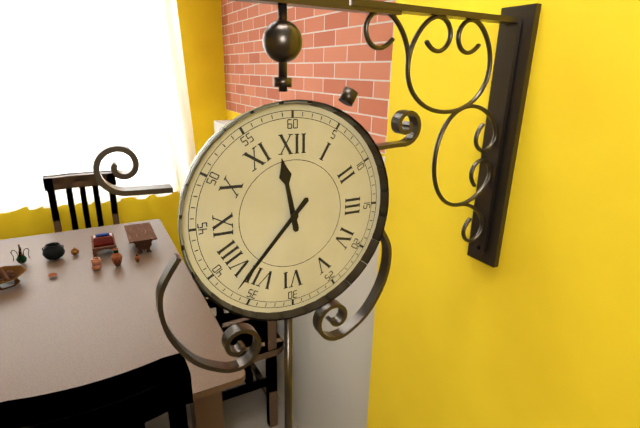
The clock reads 11.37
